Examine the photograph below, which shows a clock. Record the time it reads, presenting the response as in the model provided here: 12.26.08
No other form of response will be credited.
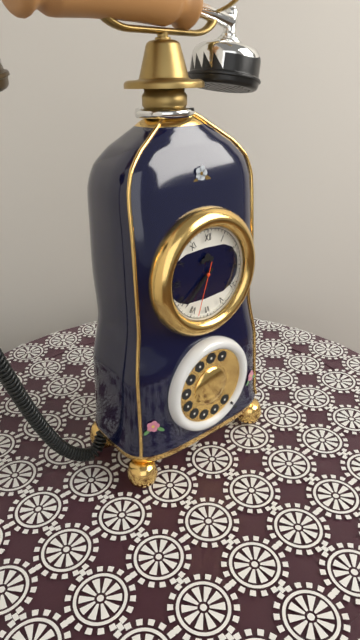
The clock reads 7.38.33
